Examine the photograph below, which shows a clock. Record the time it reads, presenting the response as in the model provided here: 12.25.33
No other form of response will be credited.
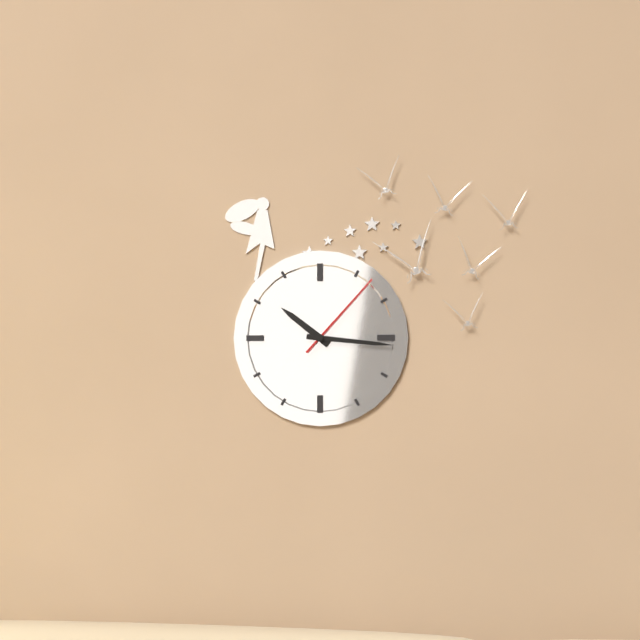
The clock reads 10.16.07
